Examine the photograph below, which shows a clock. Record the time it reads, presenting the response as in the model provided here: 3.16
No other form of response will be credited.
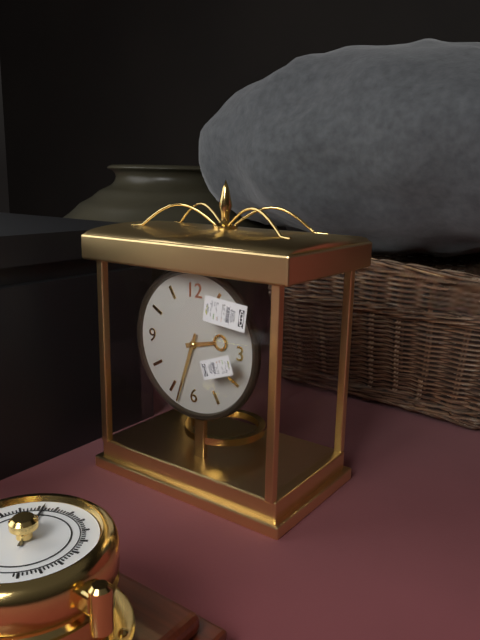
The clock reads 2.33
